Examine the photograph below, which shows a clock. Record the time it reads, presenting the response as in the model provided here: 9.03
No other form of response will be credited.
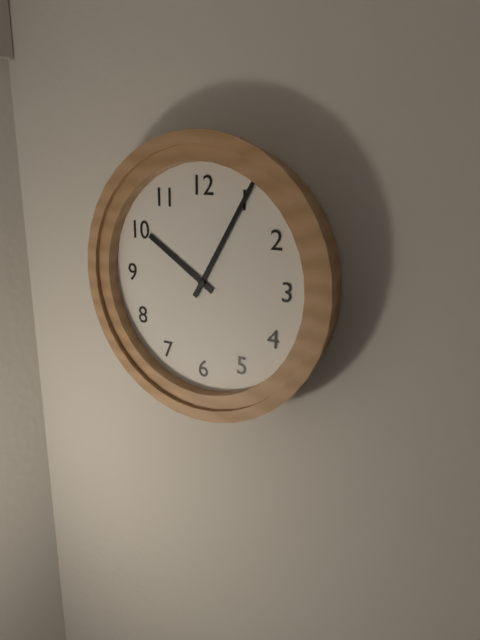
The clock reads 10.05
